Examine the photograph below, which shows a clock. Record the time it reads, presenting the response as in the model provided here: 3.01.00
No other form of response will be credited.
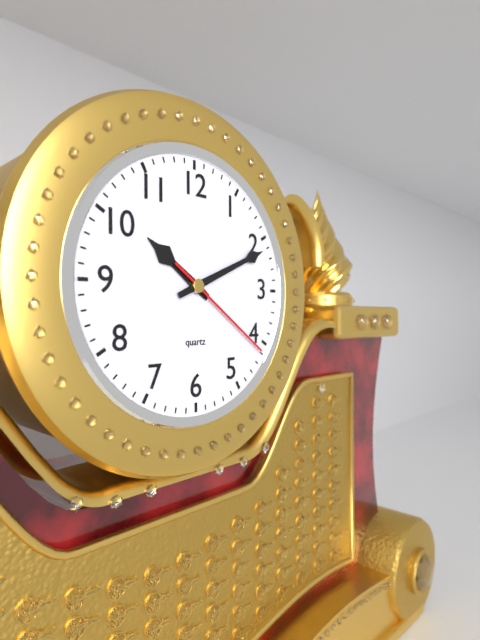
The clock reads 10.11.21
